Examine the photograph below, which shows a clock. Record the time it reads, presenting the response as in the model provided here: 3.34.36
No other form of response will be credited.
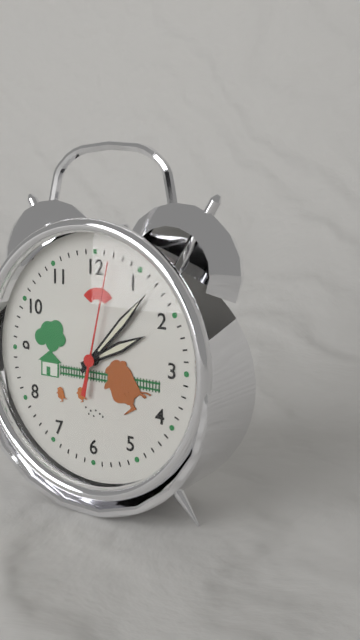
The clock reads 2.07.02
